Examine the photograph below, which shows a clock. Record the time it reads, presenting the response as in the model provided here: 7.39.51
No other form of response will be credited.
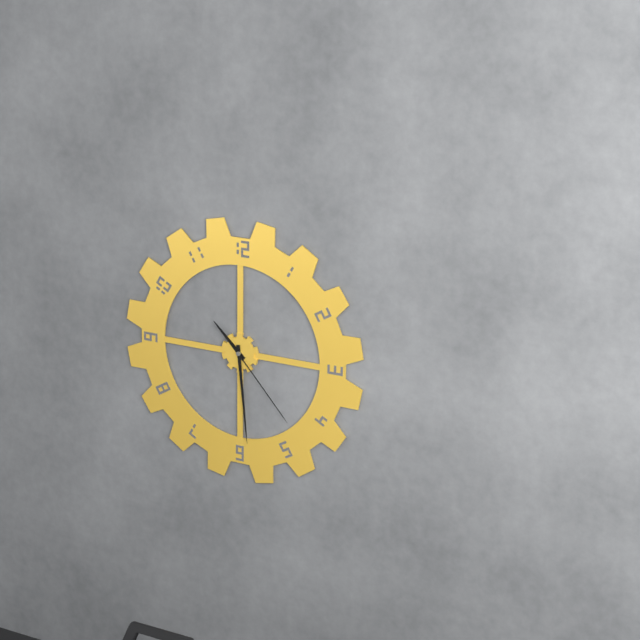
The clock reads 10.29.23
